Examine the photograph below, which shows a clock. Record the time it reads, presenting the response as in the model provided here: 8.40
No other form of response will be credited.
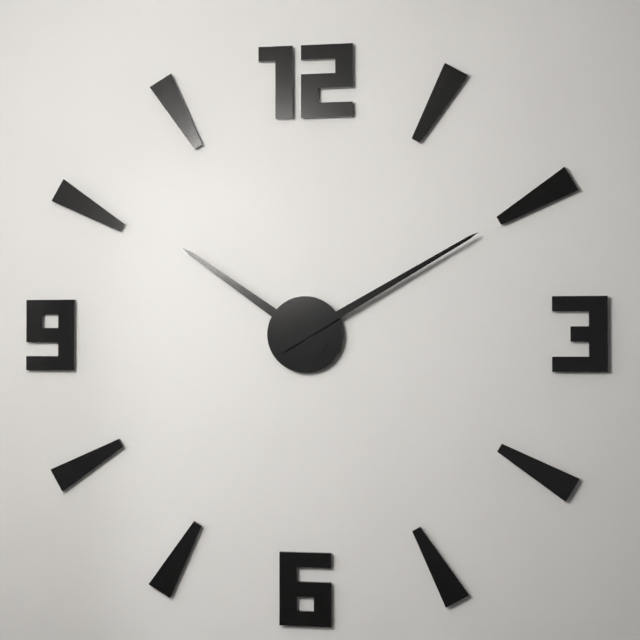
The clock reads 10.10
